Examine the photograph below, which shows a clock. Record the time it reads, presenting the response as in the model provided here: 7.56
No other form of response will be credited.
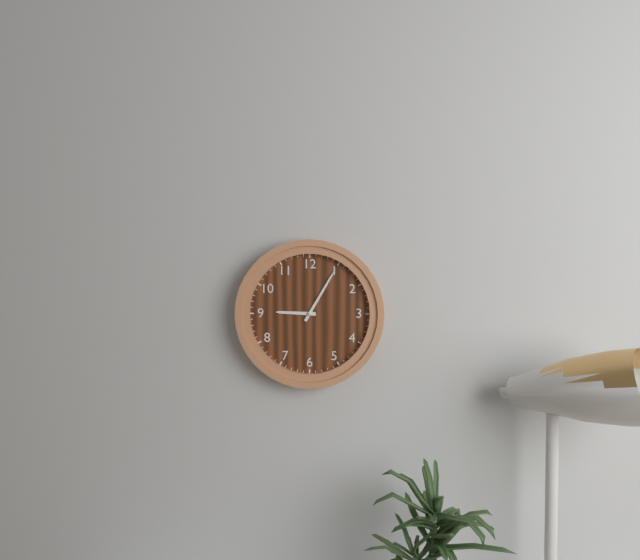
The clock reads 9.05
